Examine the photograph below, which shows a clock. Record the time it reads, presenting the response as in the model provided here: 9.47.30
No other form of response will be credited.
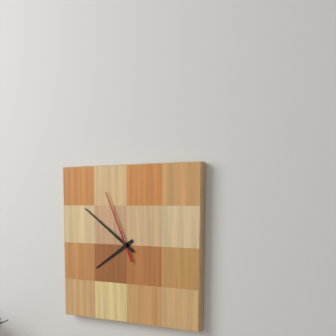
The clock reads 7.51.56
